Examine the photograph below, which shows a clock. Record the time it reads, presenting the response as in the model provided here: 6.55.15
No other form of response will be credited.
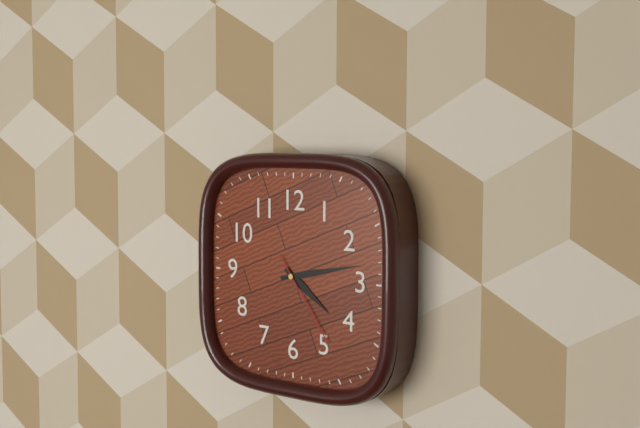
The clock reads 4.13.24
